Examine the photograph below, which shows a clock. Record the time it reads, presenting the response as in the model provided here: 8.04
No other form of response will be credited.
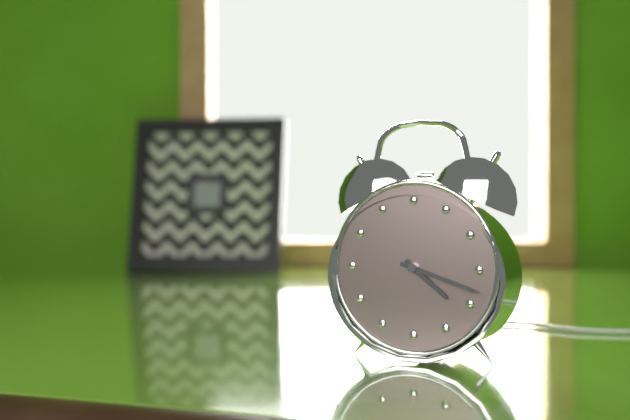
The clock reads 4.18
